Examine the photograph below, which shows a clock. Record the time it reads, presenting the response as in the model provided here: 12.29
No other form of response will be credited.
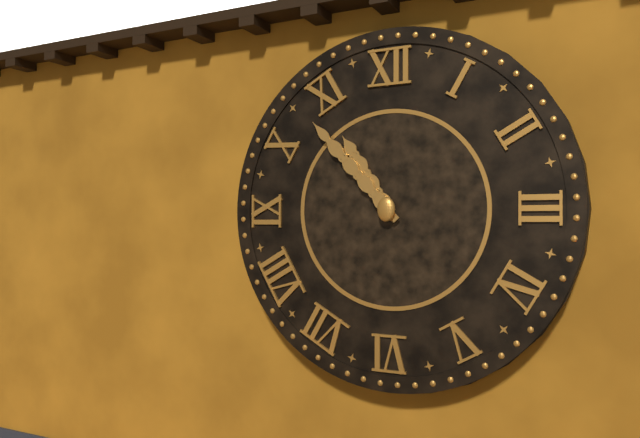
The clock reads 10.53
